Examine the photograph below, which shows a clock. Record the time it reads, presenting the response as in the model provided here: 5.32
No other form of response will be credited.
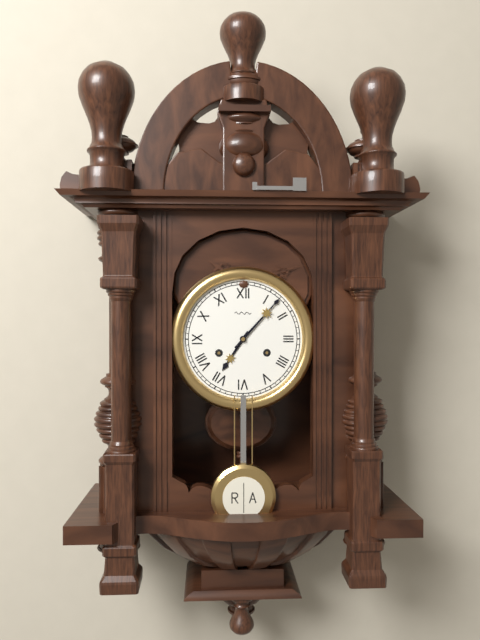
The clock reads 7.07
